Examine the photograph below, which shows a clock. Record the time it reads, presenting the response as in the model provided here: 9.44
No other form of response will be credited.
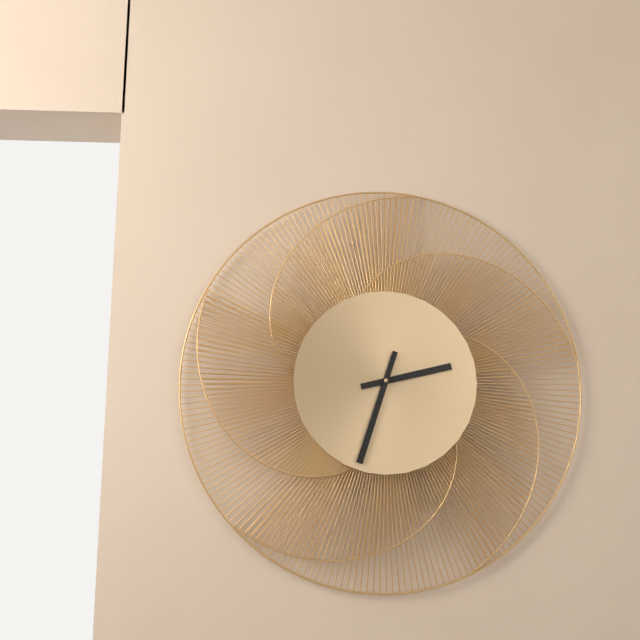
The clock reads 2.33
